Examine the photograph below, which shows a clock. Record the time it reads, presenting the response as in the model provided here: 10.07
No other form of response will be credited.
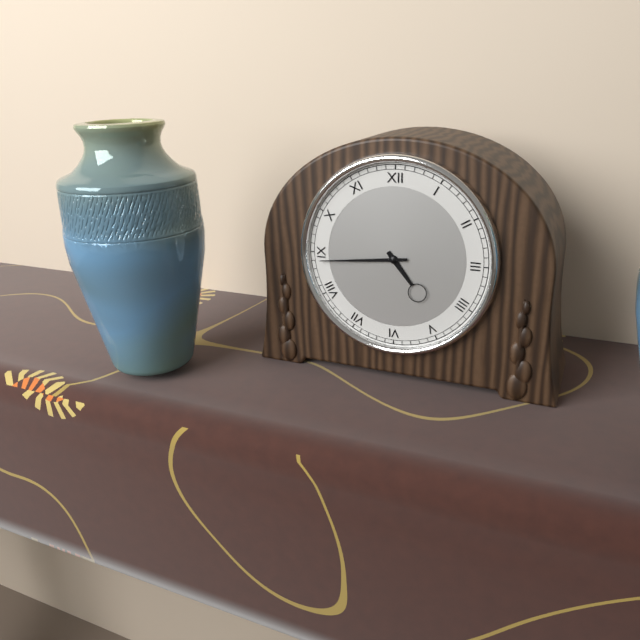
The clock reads 4.44
